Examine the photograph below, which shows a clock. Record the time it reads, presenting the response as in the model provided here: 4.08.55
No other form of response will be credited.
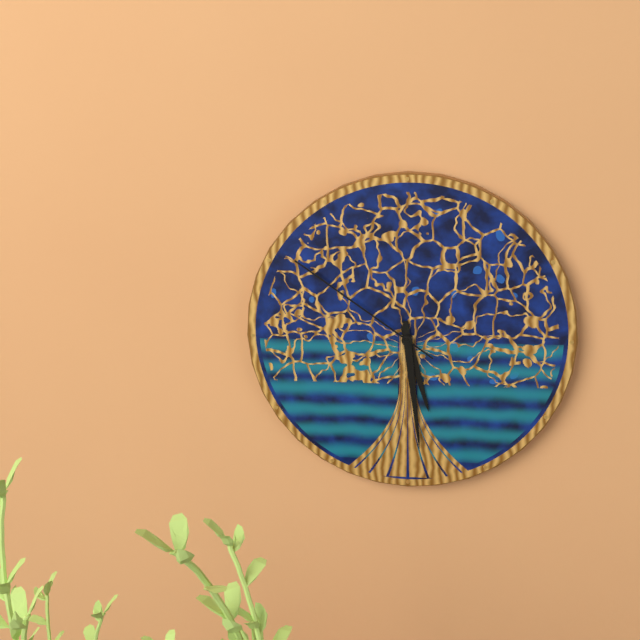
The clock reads 5.29.51
